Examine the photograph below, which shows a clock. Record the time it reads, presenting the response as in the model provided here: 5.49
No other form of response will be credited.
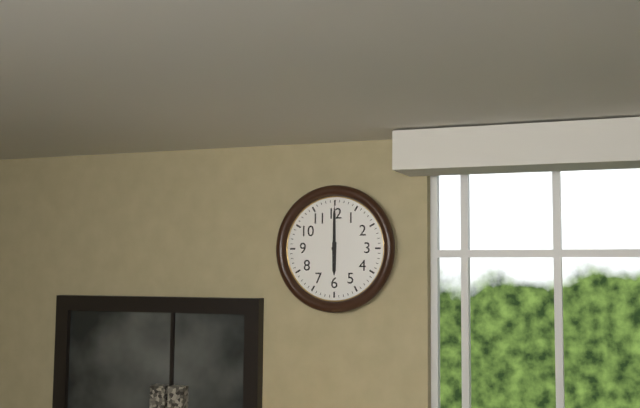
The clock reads 6.00
